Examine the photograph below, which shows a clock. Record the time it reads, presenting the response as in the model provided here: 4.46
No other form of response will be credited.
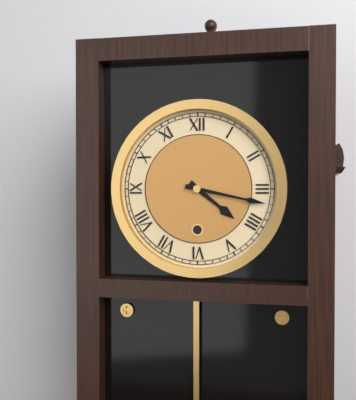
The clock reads 4.17
